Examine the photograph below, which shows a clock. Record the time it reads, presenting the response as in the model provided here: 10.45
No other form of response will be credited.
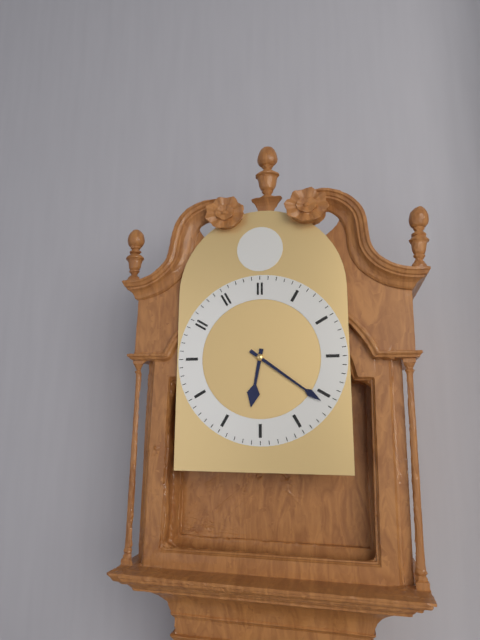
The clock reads 6.21
